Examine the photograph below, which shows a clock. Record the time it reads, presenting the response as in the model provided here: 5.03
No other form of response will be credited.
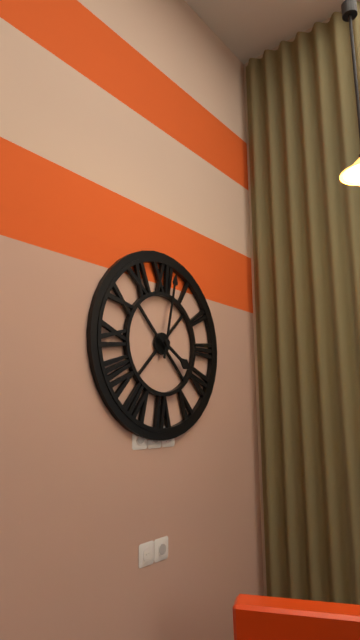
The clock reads 4.02
